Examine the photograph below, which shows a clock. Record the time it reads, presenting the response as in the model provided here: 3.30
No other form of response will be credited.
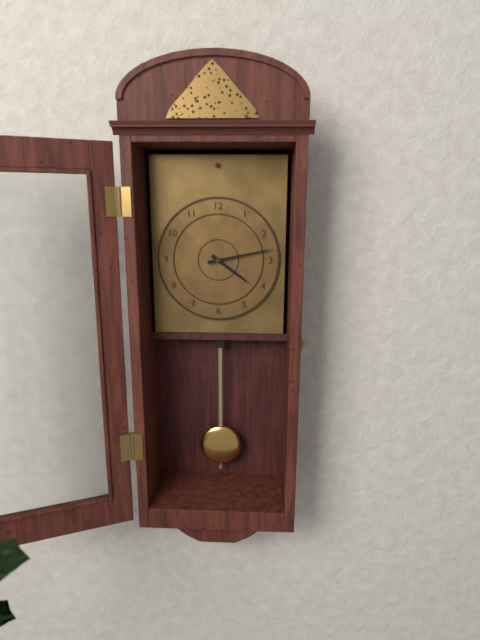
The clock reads 4.13
